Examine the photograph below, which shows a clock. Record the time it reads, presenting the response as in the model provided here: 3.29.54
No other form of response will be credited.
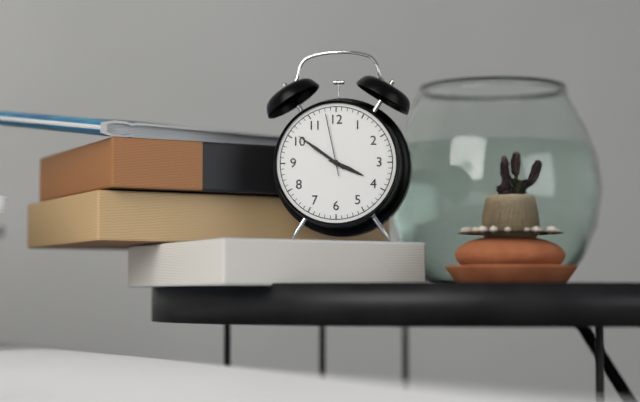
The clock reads 3.51.58
